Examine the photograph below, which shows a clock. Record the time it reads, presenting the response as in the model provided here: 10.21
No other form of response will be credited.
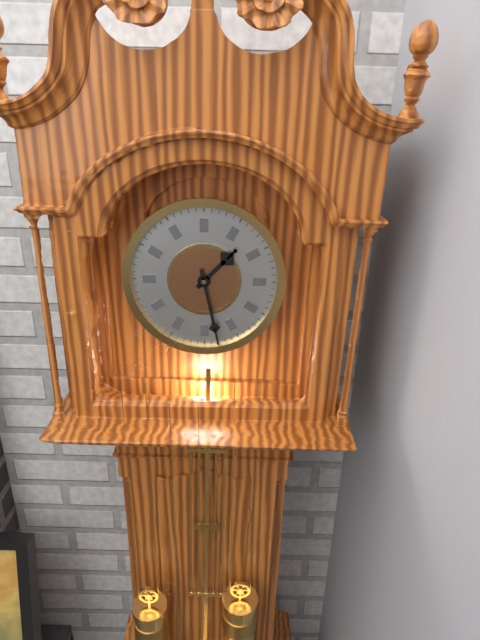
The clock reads 1.28
